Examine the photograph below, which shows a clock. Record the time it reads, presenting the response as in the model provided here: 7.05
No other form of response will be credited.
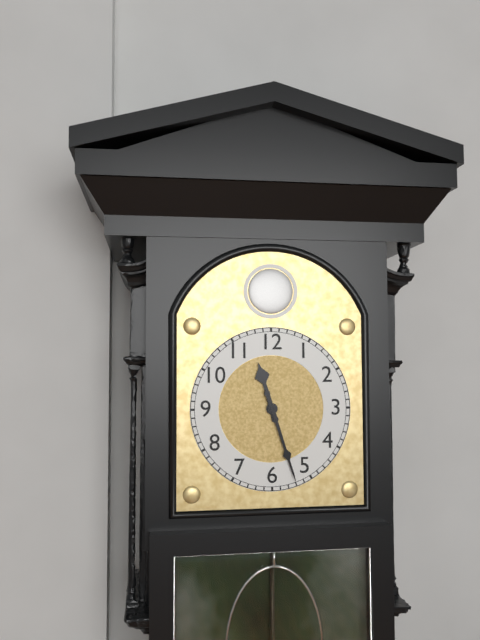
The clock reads 11.27
